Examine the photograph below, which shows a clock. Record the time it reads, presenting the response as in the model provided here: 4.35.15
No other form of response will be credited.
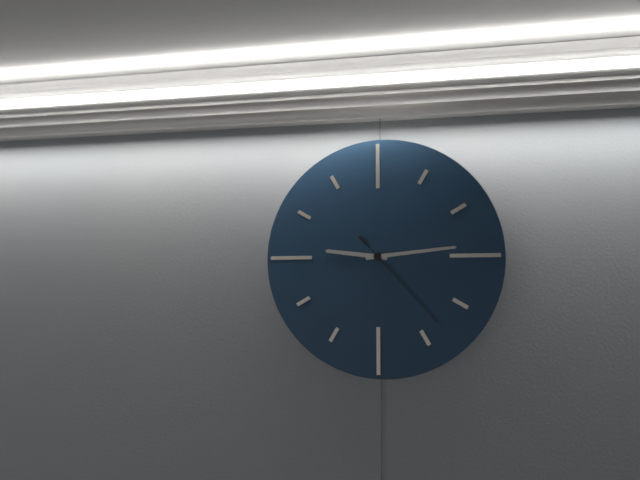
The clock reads 9.14.23
